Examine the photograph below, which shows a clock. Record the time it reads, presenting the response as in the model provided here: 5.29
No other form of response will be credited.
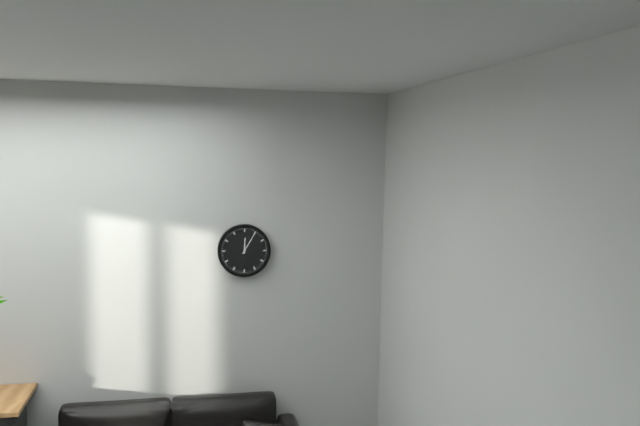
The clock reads 12.05
